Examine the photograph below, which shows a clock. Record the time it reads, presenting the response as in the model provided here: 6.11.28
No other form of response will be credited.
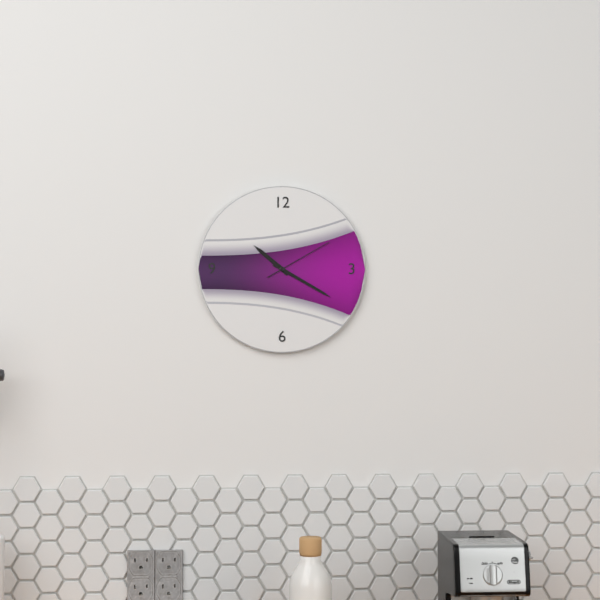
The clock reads 10.20.10
